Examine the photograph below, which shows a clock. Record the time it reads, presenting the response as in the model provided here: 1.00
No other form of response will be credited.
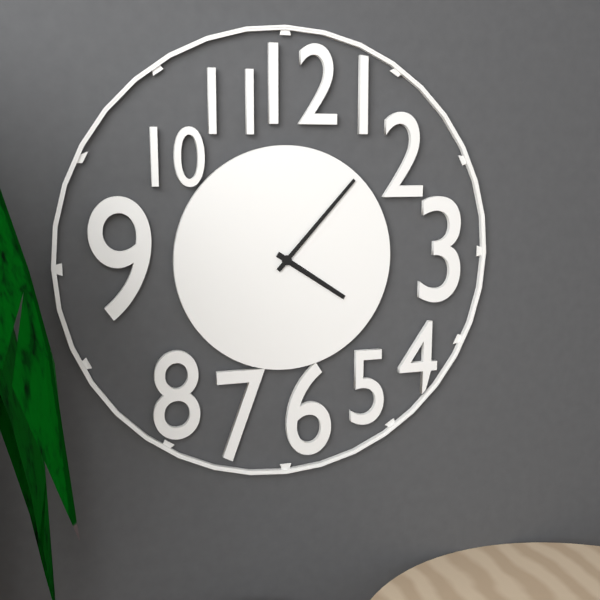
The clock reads 4.07
